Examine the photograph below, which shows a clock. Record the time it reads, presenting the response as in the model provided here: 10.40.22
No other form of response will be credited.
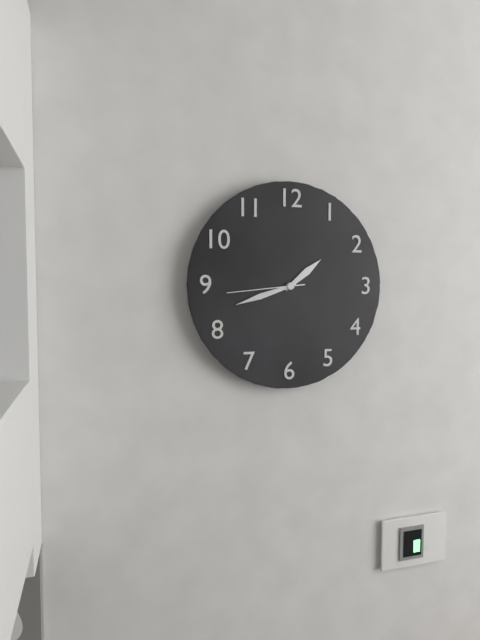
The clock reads 1.42.44
